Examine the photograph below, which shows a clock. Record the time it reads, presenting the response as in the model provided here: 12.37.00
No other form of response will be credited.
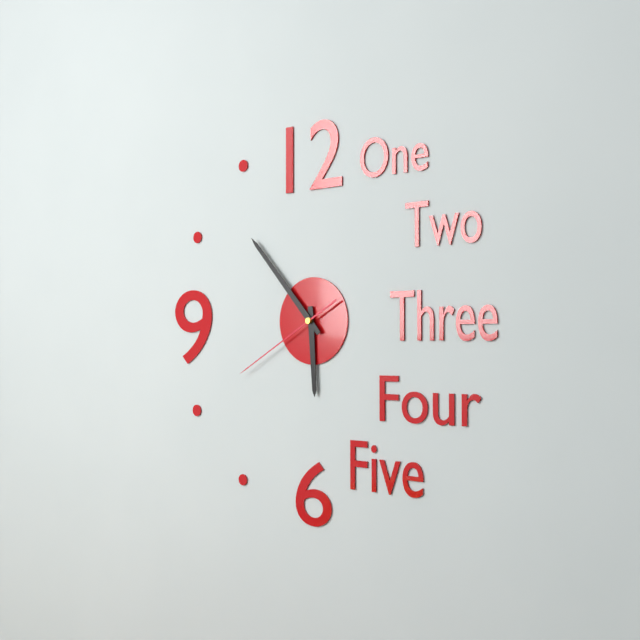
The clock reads 5.53.40
